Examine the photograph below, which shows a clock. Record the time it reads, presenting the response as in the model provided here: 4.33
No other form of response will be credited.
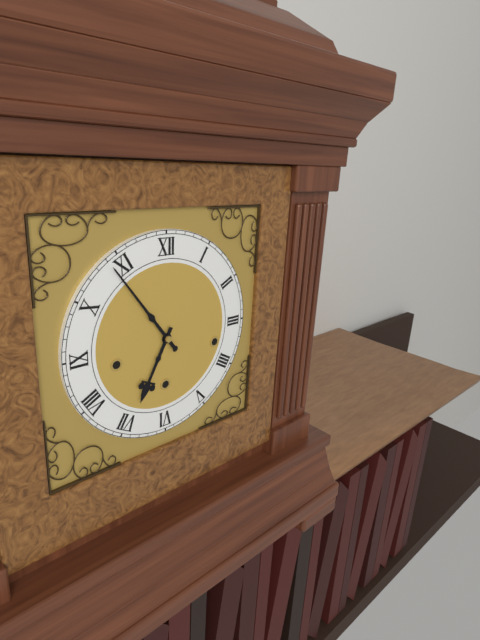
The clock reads 6.54
